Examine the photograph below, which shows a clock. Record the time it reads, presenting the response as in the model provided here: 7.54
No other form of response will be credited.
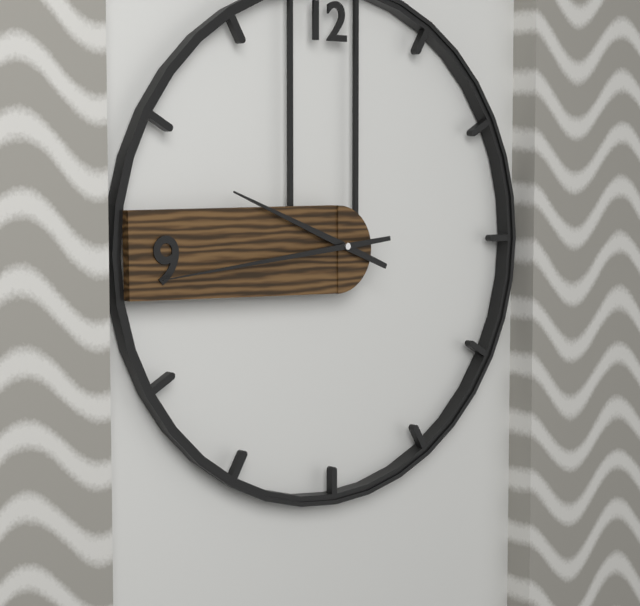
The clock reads 9.44
